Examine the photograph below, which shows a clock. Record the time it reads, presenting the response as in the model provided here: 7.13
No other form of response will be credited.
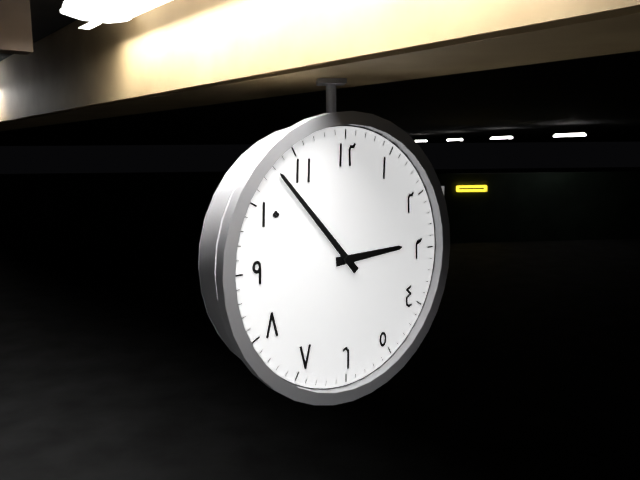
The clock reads 2.53
